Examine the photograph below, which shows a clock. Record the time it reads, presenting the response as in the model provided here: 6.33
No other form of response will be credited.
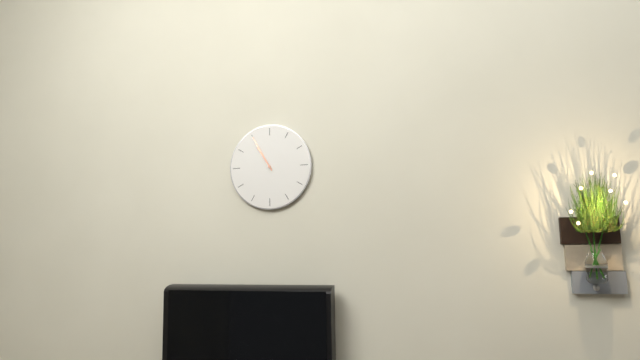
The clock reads 10.55
